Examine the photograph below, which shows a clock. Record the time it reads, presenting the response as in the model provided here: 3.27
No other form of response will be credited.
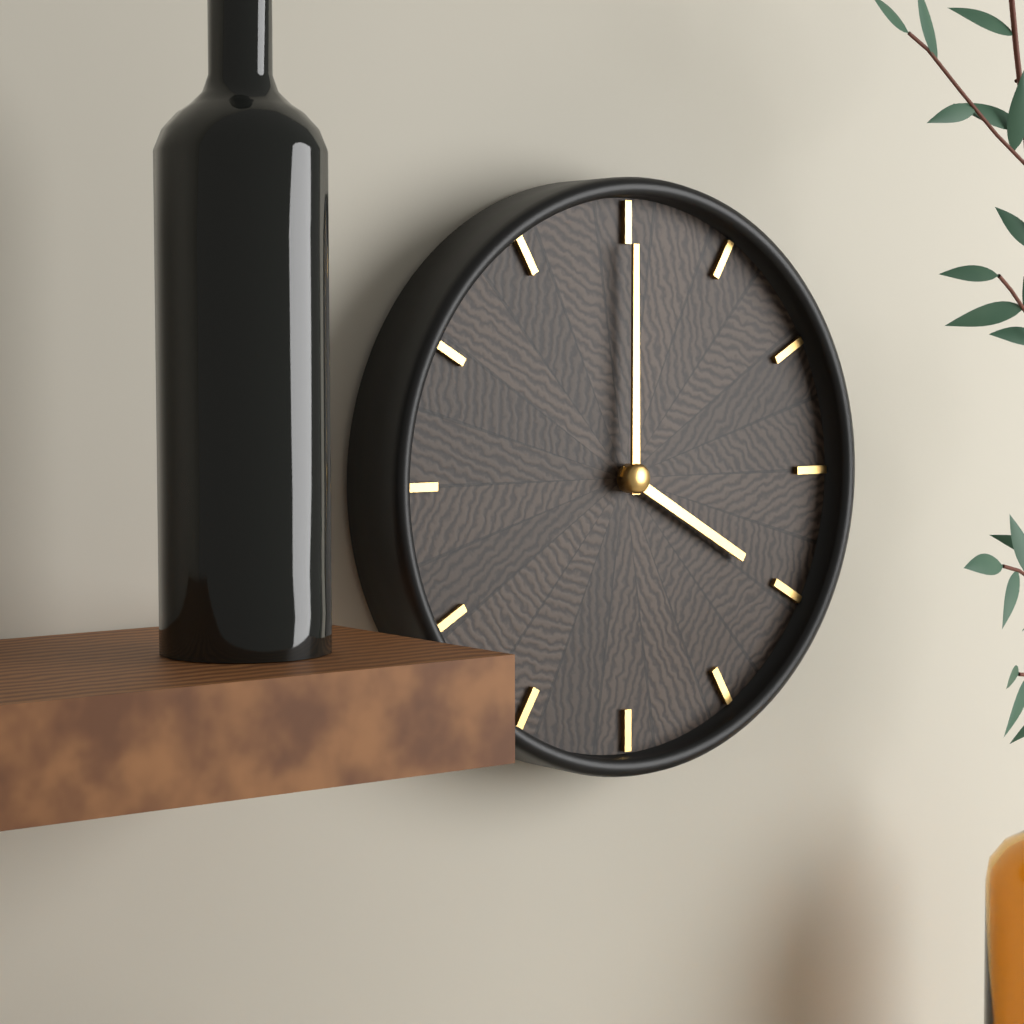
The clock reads 4.00
